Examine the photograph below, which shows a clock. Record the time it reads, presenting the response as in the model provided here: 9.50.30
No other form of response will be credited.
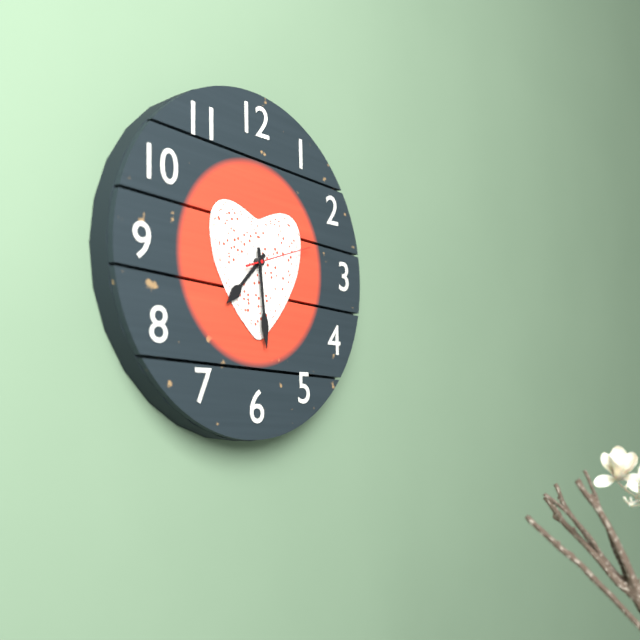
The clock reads 7.29.12
